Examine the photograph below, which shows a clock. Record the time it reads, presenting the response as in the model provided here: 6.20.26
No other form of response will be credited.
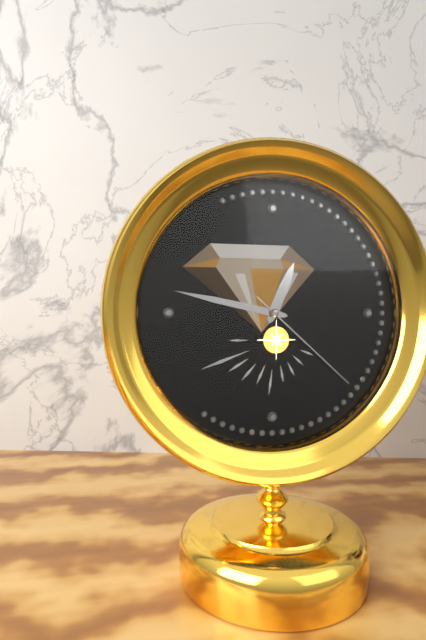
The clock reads 12.47.22
